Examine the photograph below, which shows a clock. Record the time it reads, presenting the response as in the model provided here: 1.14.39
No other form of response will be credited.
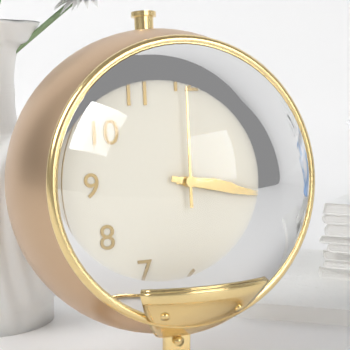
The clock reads 3.17.00
